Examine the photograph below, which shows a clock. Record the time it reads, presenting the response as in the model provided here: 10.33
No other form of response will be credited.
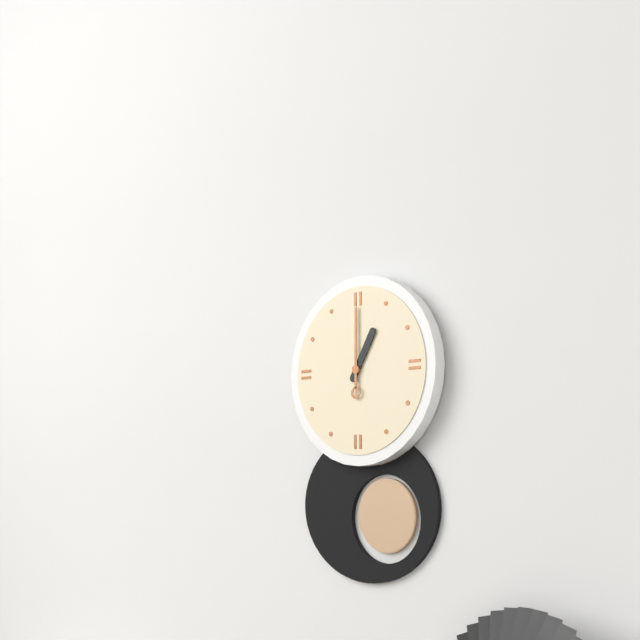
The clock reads 1.00
